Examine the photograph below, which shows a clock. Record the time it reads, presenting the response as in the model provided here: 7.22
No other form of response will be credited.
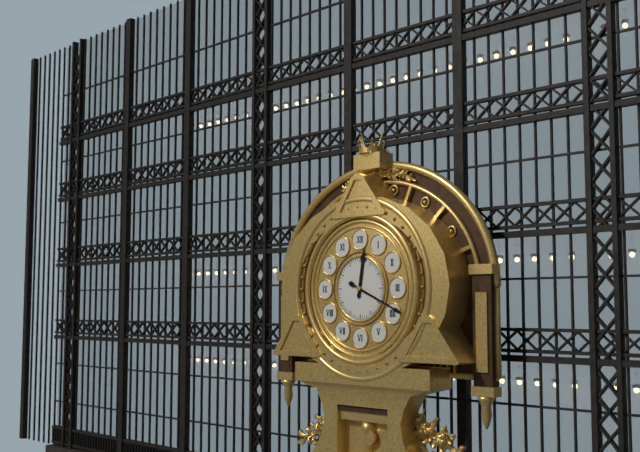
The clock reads 12.19
